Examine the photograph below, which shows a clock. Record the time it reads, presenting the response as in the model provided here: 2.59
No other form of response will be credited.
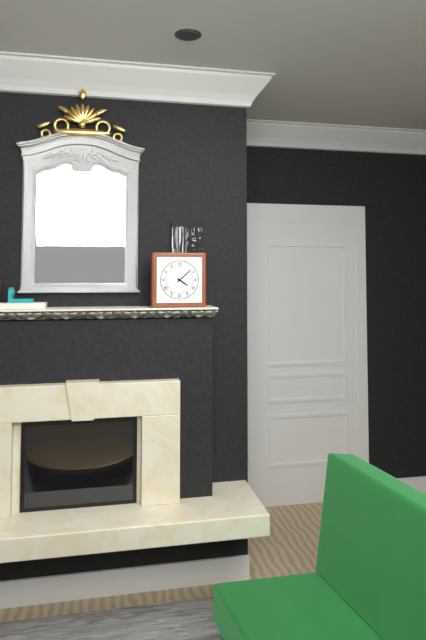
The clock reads 4.08
